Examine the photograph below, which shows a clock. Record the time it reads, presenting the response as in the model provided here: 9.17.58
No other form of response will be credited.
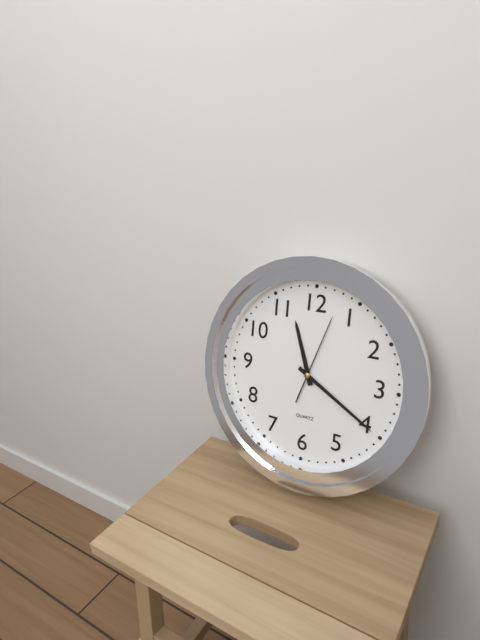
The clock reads 11.20.03
